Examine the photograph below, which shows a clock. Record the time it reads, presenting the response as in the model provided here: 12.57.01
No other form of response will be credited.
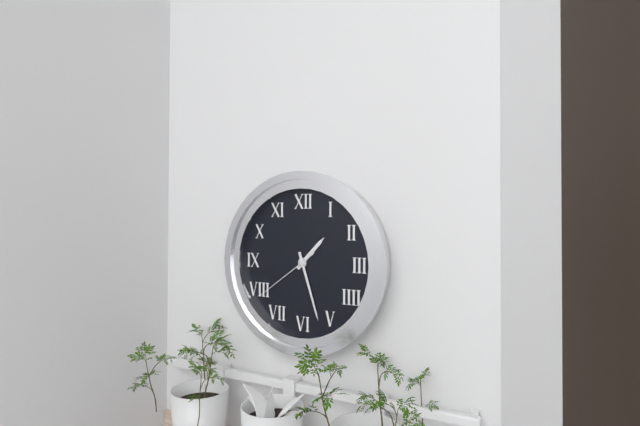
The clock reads 1.27.39
